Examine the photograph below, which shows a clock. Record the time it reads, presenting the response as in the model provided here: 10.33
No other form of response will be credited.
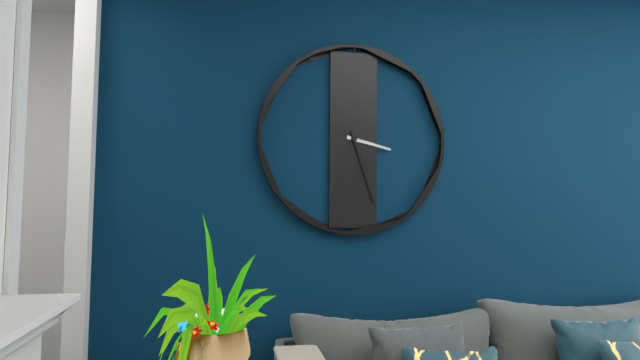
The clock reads 3.27
